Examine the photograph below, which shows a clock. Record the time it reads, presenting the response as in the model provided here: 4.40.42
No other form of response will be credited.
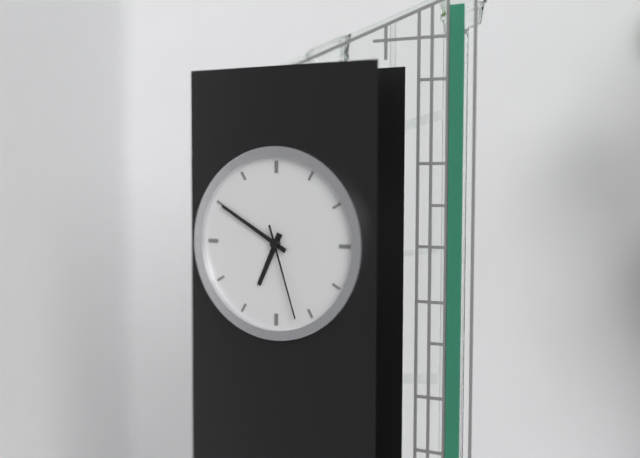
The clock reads 6.50.27
